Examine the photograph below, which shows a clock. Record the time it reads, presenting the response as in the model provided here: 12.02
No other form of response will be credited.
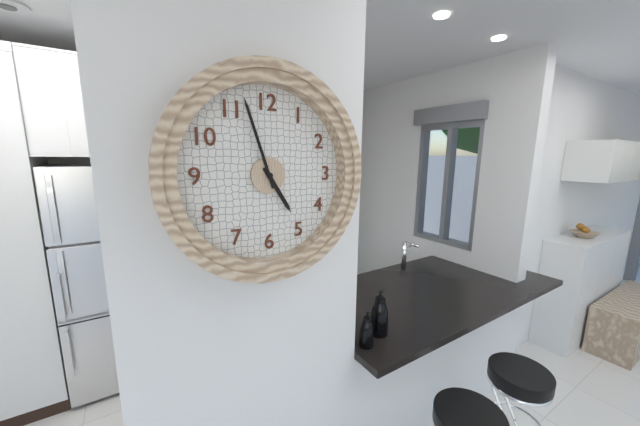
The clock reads 4.57
